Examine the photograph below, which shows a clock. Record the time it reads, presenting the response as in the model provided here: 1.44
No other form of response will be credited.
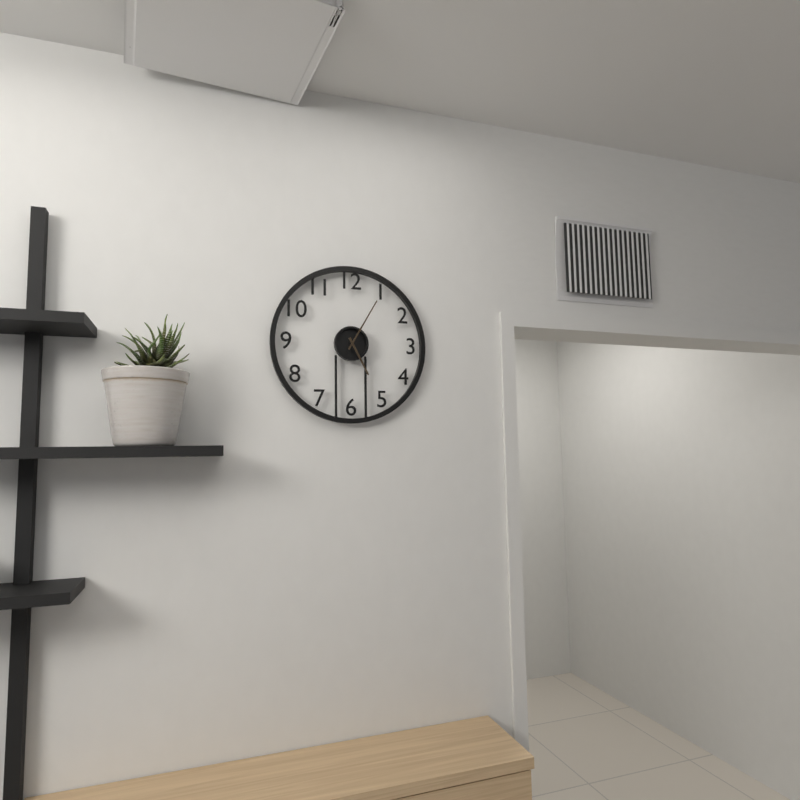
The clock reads 5.05
